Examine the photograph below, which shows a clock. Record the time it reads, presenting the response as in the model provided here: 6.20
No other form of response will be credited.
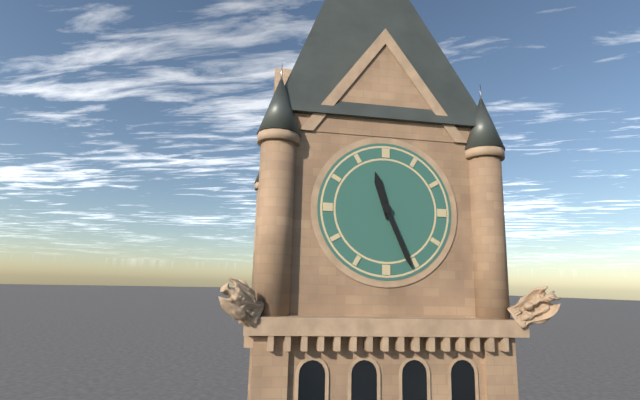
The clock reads 11.26
